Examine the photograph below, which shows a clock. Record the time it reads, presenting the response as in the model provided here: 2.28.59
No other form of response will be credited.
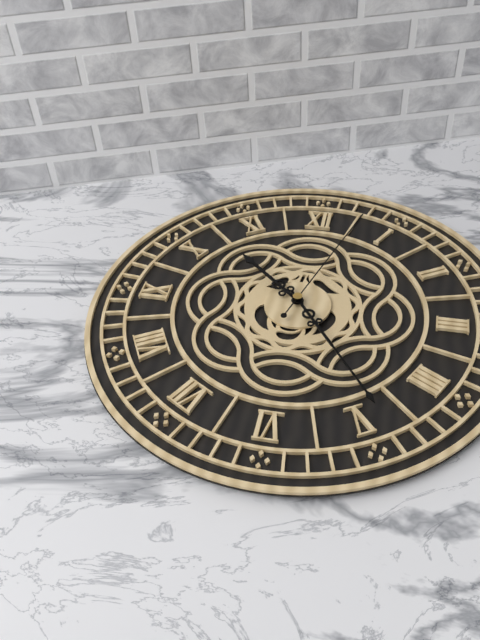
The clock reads 10.24.03
